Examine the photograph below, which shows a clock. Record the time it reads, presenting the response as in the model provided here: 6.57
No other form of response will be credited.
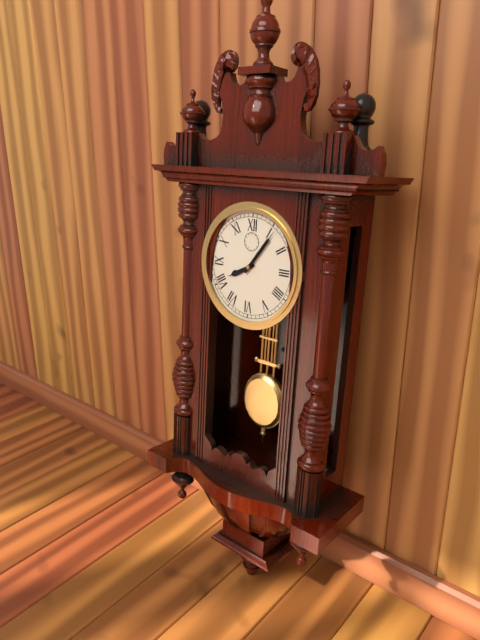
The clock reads 8.06
